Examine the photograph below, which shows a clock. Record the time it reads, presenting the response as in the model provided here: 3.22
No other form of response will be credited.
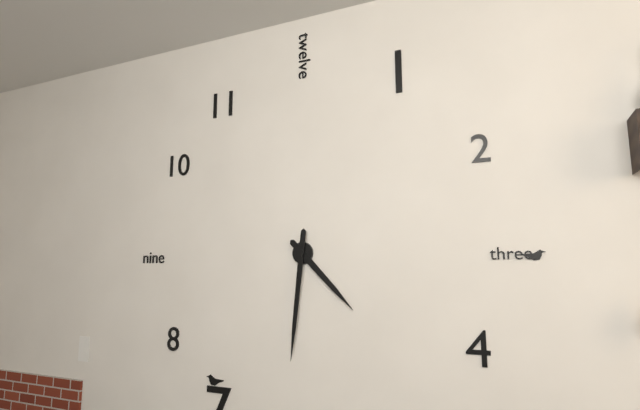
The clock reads 4.31
